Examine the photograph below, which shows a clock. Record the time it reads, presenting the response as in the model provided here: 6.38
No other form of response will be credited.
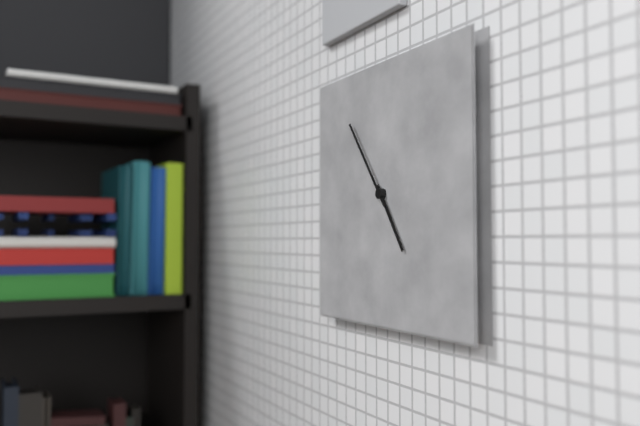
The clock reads 4.54
